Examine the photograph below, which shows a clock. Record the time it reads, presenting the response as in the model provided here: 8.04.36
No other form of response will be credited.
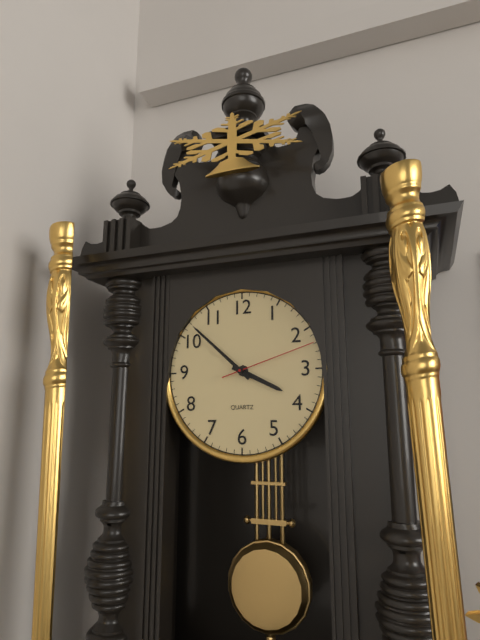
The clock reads 3.52.12
